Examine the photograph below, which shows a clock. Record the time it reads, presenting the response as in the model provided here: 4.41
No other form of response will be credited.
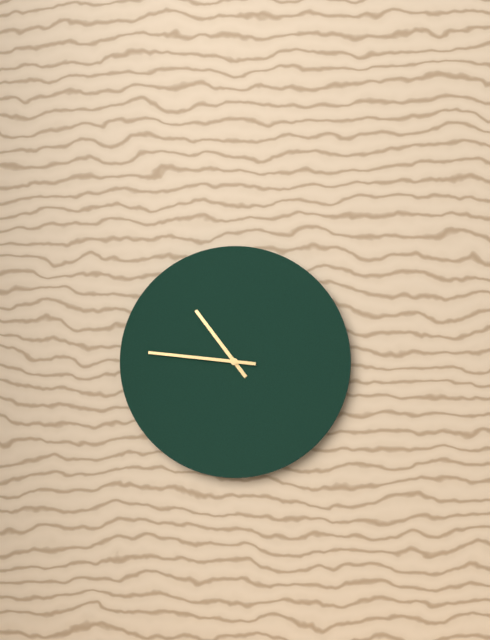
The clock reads 10.46
